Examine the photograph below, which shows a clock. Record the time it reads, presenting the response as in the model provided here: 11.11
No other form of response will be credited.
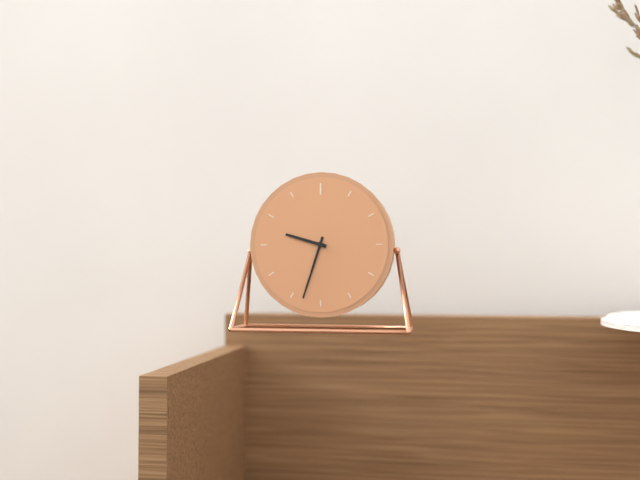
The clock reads 9.33
